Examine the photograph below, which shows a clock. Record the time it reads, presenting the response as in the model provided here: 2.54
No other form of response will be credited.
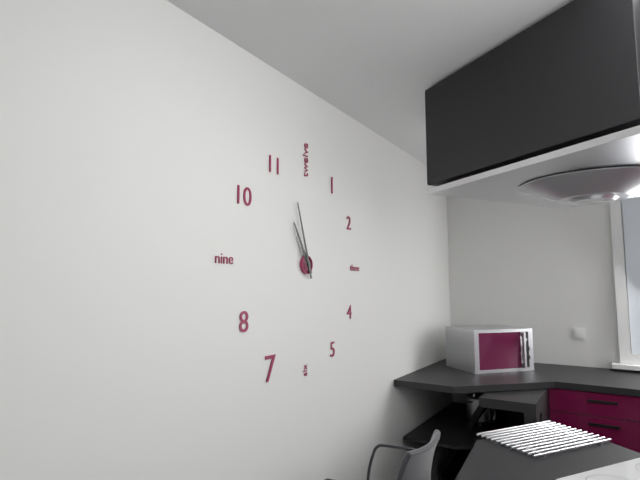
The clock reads 10.57
